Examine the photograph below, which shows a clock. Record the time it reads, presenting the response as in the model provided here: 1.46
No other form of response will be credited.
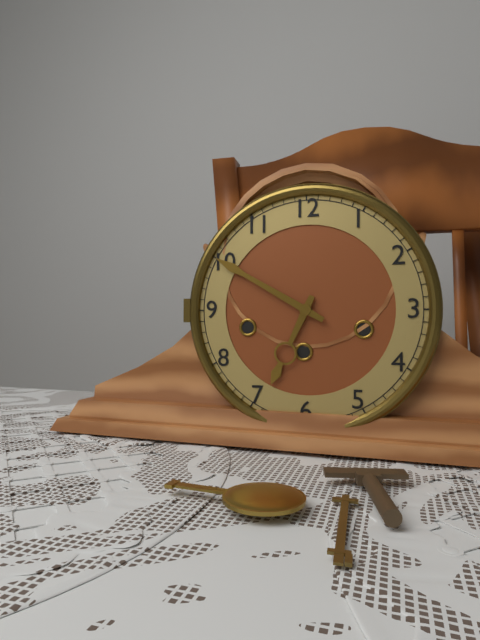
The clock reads 6.50
